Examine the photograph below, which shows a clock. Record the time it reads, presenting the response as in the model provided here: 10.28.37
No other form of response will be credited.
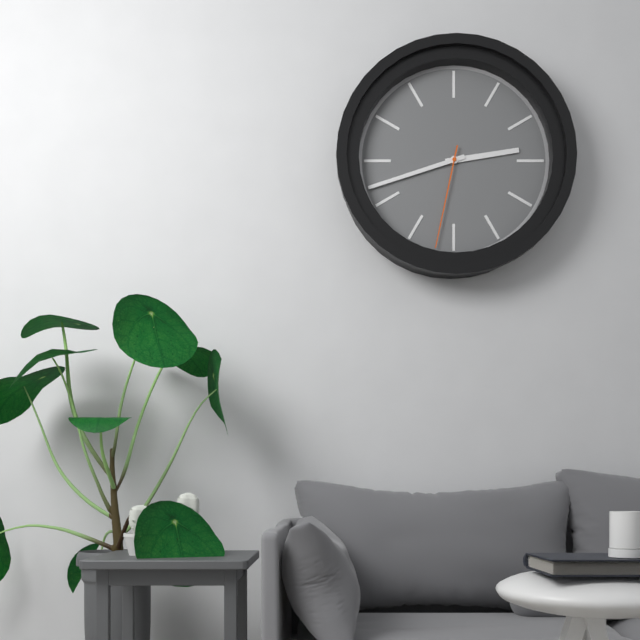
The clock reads 2.42.32
